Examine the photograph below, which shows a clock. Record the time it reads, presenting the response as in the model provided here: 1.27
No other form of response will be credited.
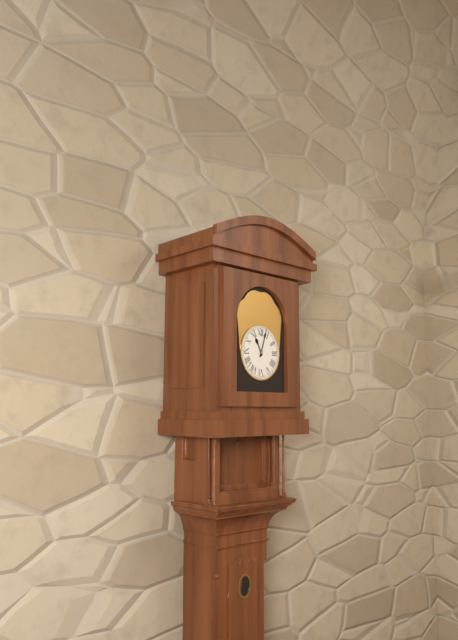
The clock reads 11.03
